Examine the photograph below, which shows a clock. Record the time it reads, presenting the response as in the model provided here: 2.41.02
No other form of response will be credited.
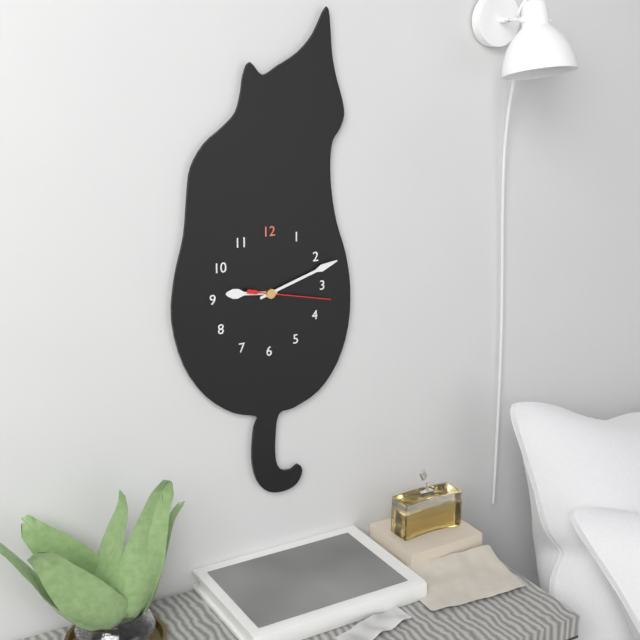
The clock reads 9.12.17
